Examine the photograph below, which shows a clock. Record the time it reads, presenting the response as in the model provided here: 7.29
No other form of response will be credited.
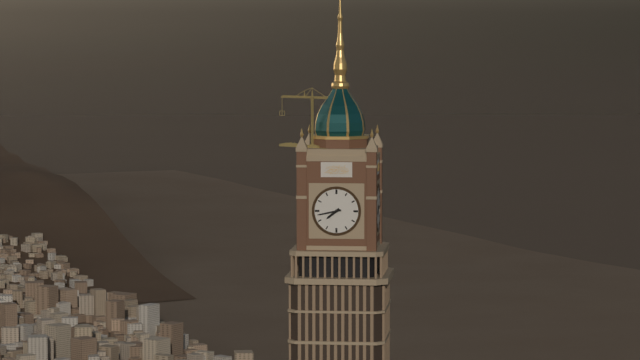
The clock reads 7.43
